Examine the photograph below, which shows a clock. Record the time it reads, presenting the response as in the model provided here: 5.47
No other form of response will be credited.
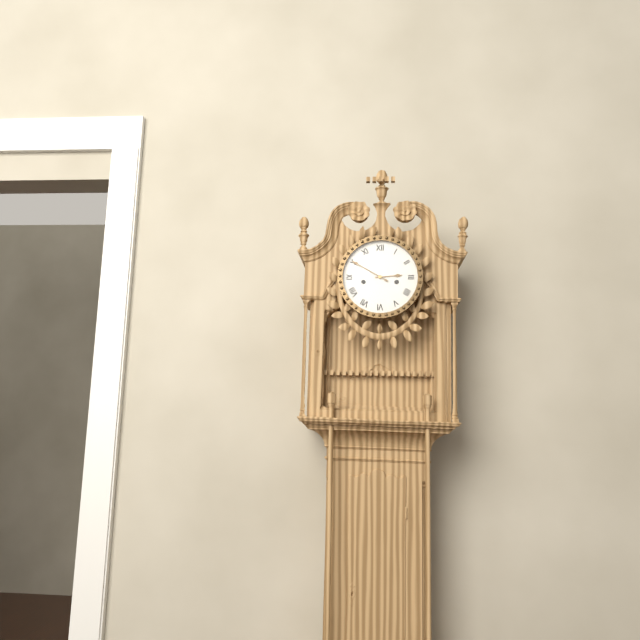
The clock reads 2.50
